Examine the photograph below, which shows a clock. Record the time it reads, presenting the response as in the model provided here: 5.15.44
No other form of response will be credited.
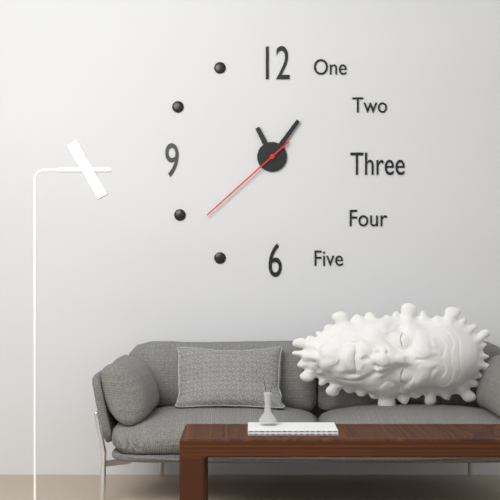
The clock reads 11.06.38
